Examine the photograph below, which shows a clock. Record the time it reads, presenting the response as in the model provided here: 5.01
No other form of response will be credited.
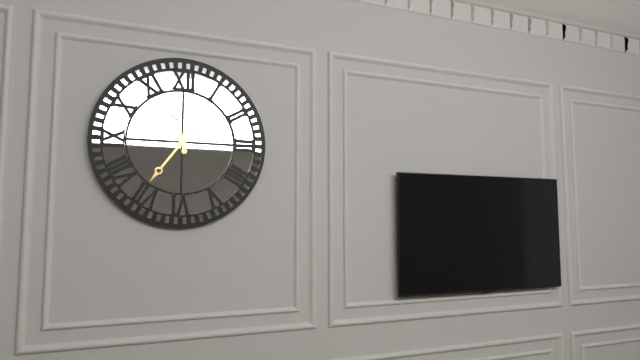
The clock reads 11.36
